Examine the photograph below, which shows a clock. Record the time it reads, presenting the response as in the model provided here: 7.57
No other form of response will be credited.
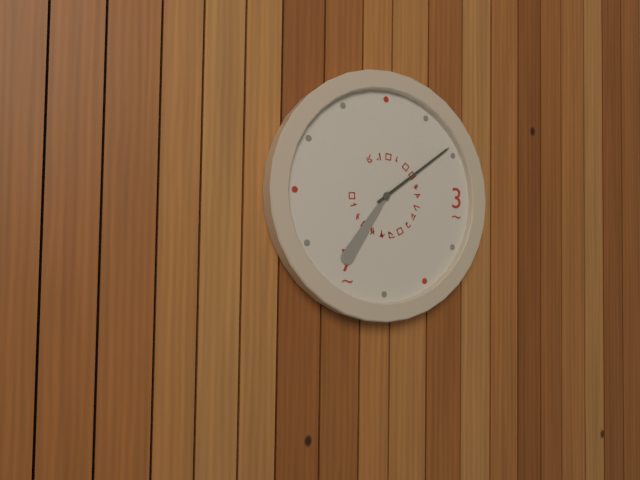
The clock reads 7.09
